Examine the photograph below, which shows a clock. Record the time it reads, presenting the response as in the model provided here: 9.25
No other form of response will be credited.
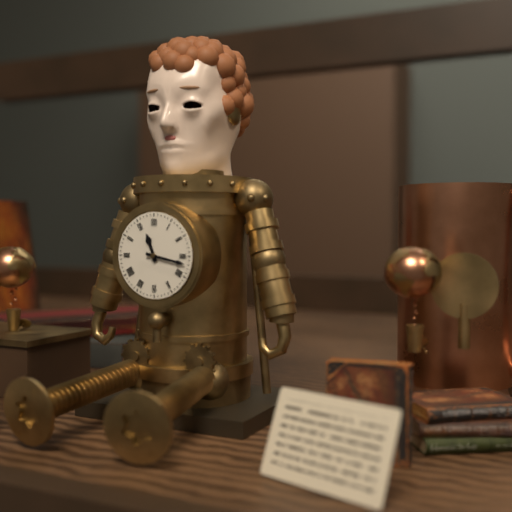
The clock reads 11.17
